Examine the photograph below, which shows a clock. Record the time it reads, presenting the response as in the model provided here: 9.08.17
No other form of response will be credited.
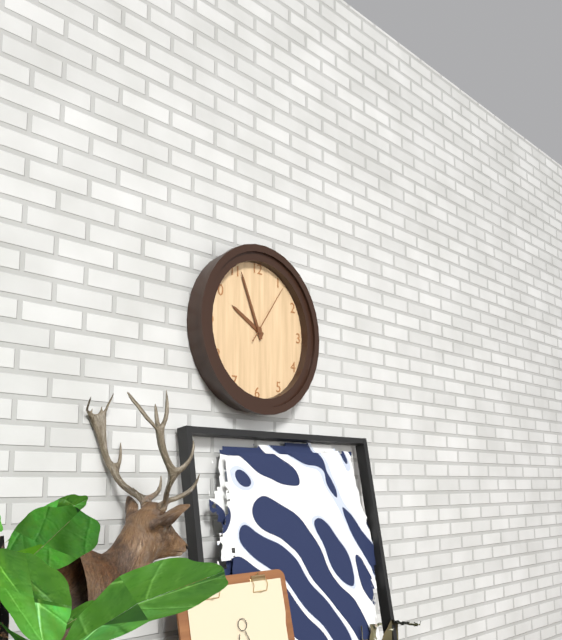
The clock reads 9.56.06
